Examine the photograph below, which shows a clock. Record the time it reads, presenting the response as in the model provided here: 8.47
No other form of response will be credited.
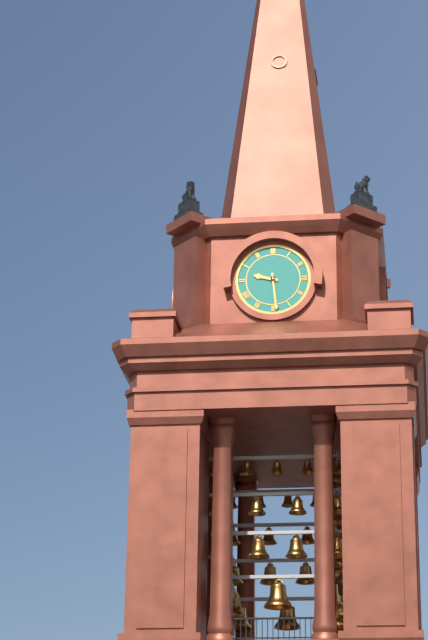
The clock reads 9.29
